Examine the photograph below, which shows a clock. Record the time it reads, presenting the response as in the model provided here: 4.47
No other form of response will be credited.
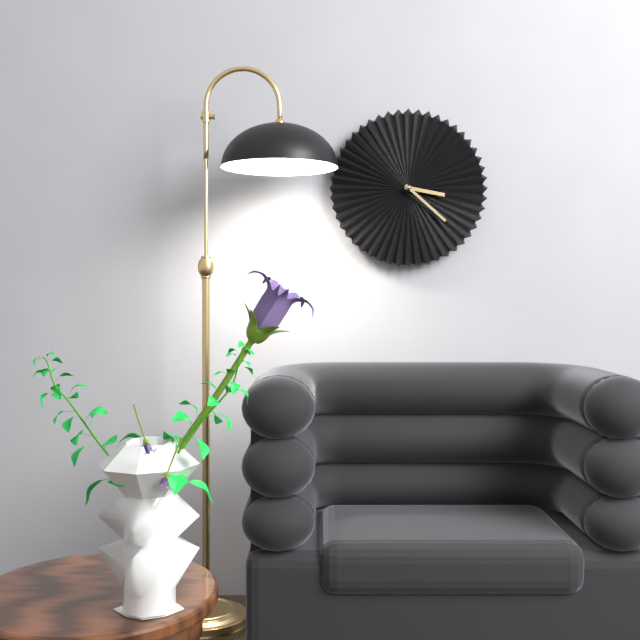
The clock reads 3.22
